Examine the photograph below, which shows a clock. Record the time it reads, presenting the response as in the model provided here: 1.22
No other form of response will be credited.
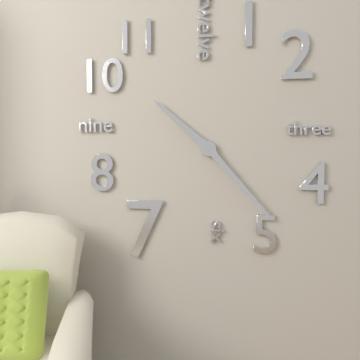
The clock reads 10.23
